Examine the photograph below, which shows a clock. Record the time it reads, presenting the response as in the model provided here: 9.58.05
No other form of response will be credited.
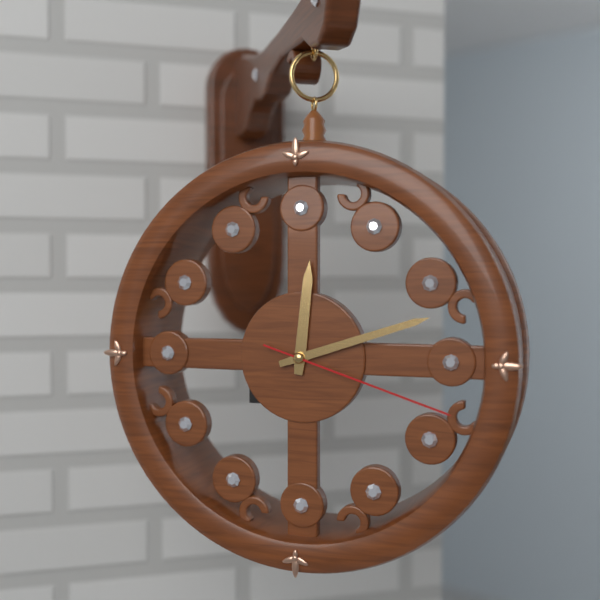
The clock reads 12.12.18
